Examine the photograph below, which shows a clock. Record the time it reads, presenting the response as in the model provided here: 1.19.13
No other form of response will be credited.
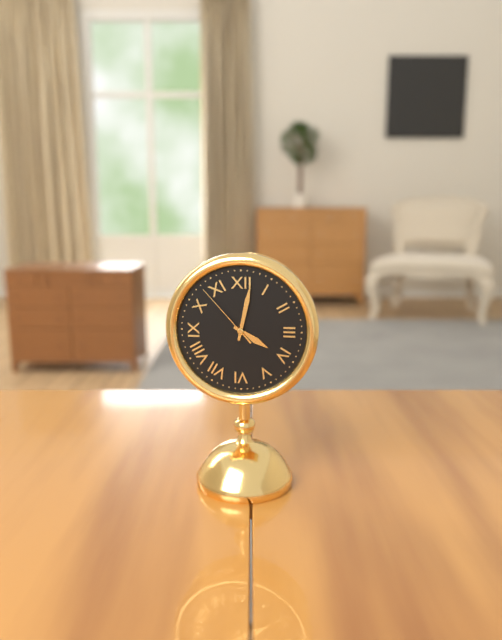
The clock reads 4.02.53
